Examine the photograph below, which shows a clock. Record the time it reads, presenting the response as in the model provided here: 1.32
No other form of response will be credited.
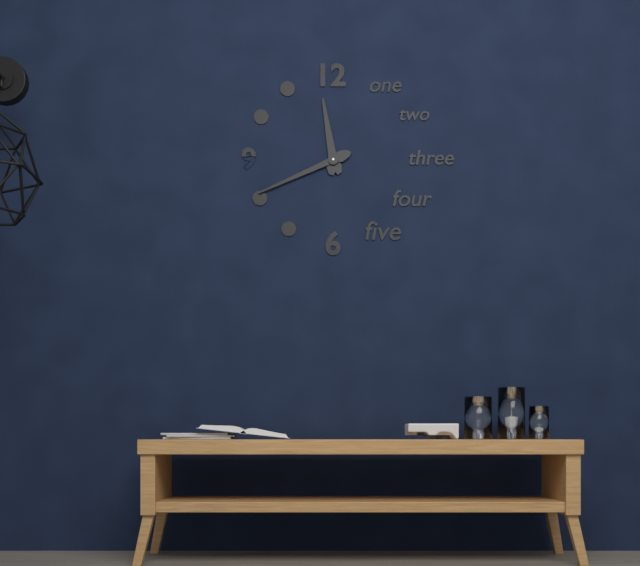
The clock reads 11.41
